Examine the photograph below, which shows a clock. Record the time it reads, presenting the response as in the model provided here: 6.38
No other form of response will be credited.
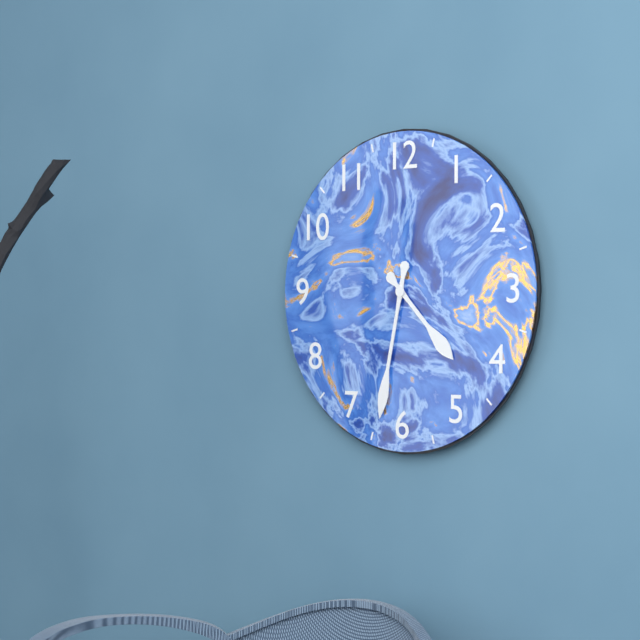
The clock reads 4.32
